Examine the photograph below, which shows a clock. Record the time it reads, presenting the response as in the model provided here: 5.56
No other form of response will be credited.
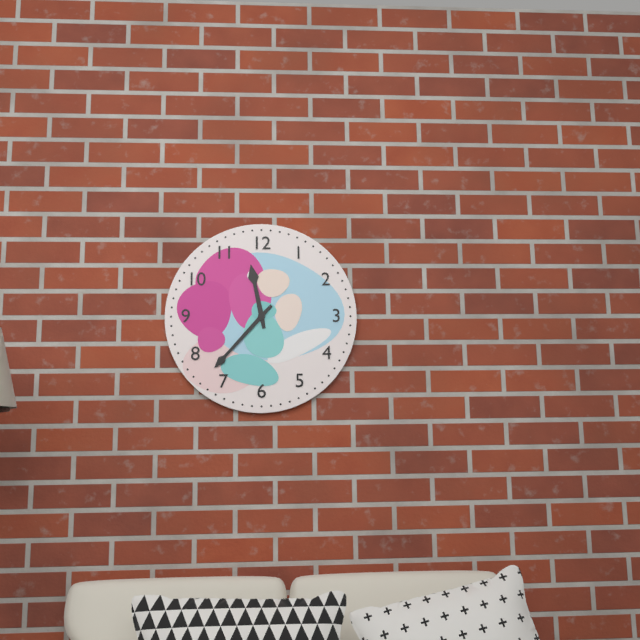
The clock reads 11.37
